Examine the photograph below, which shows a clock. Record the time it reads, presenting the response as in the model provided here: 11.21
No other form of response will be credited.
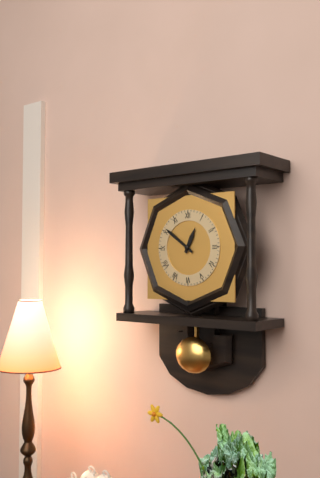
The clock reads 12.51
